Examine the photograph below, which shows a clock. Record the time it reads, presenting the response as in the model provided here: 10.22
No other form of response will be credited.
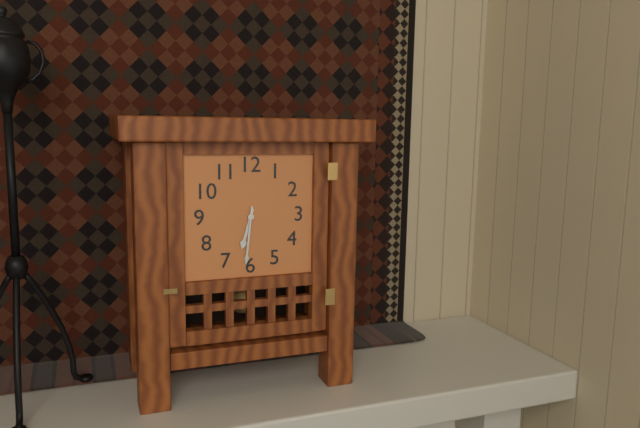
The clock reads 6.31
